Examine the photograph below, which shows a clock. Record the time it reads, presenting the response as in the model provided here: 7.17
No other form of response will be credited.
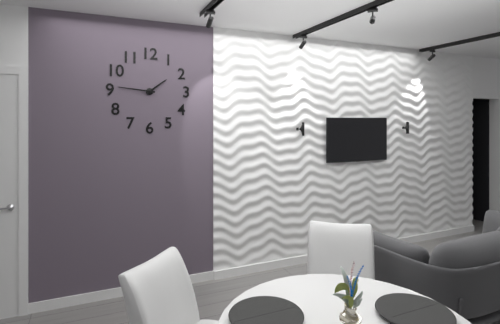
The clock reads 1.46
